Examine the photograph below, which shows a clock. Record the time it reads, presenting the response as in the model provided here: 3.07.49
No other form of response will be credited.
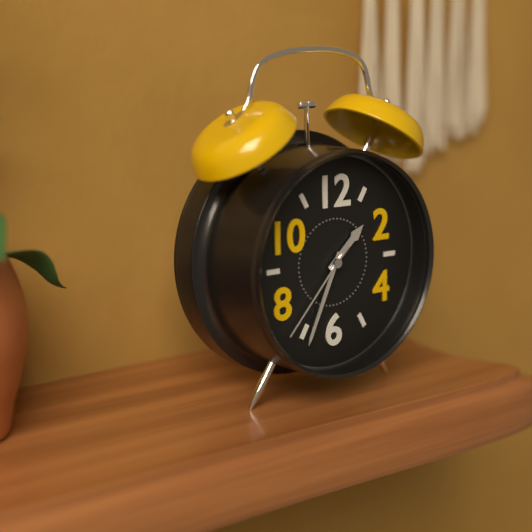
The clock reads 1.34.37
